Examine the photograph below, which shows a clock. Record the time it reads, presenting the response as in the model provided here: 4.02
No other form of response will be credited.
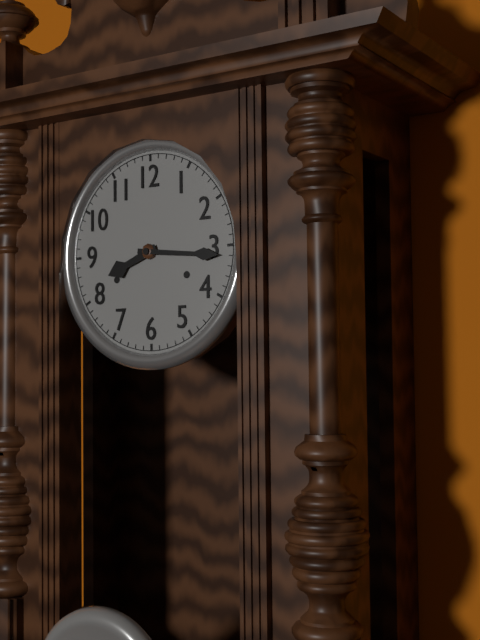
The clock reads 8.16
